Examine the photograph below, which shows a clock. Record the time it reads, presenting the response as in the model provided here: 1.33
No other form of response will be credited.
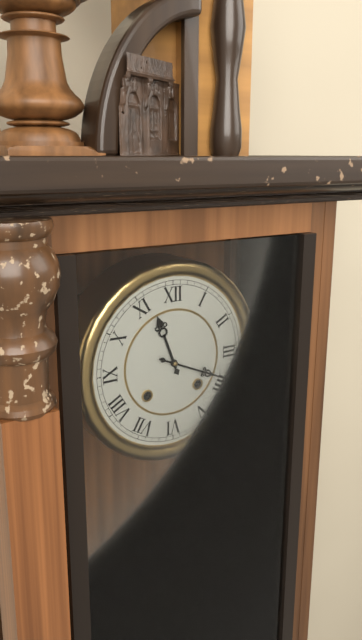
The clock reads 11.19
